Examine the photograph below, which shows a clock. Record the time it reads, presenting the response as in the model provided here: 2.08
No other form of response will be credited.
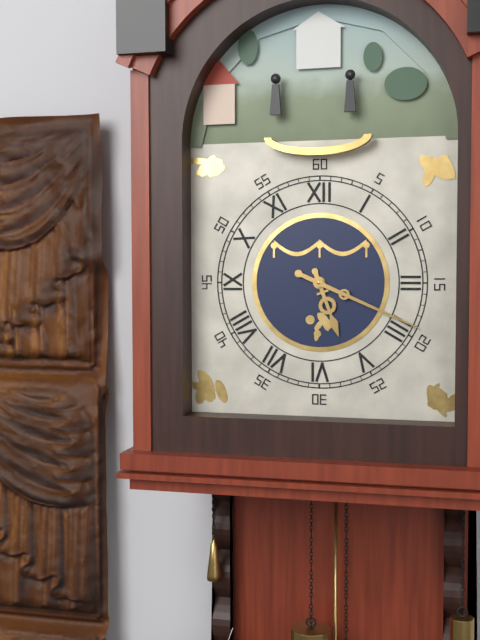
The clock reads 5.19
